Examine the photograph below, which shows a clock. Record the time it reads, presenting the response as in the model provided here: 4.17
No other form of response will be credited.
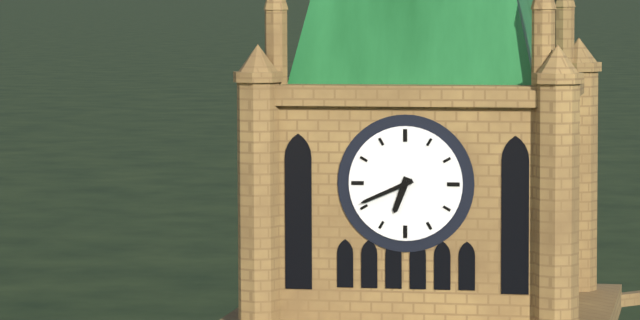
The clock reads 6.41
